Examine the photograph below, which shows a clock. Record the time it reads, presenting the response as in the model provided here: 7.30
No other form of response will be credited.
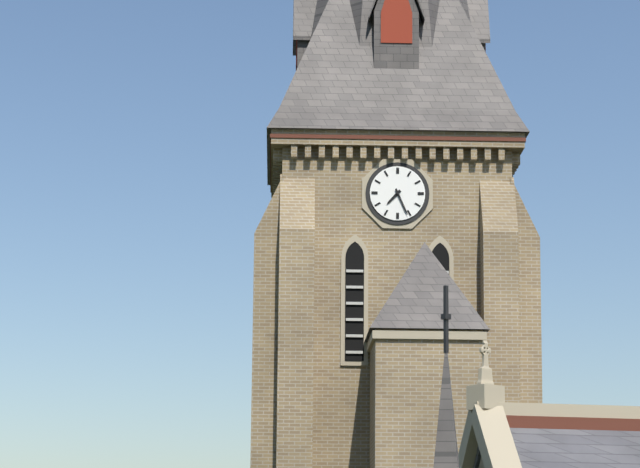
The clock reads 7.26
